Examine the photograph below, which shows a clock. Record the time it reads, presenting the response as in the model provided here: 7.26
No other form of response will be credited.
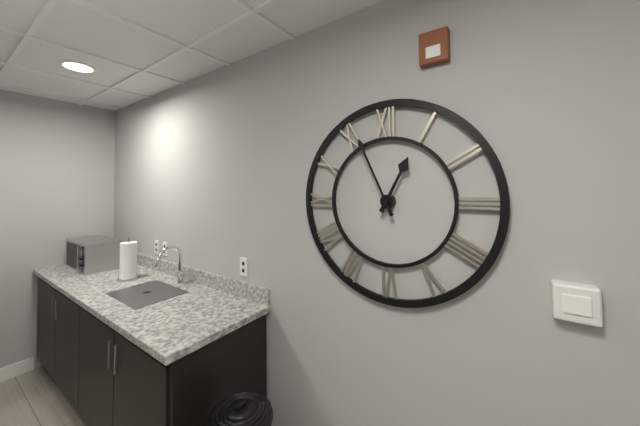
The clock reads 12.56
